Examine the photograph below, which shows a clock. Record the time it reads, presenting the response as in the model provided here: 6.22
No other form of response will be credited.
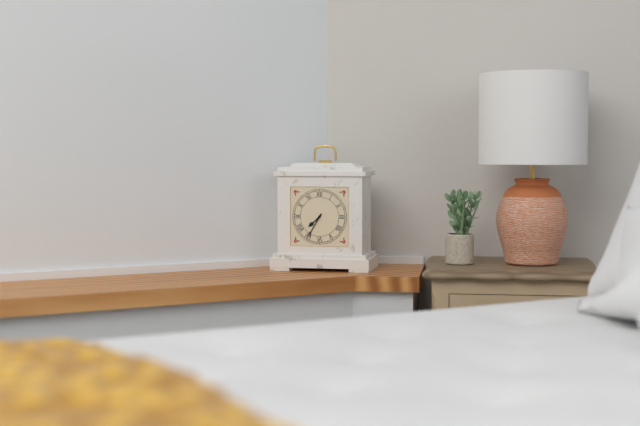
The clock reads 7.35
